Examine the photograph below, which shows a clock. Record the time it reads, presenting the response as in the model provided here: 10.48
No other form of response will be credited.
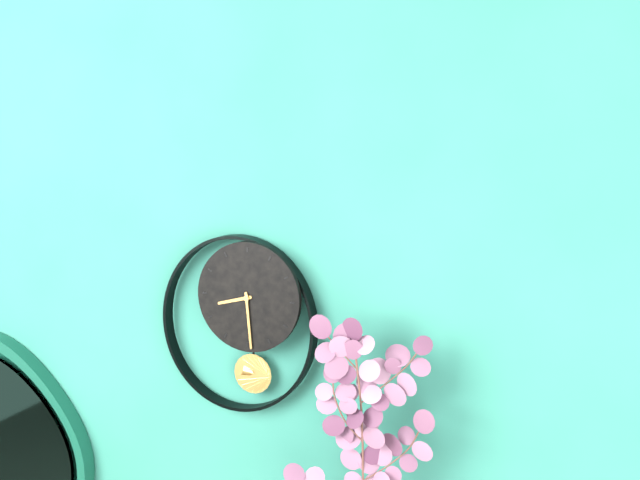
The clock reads 8.29
